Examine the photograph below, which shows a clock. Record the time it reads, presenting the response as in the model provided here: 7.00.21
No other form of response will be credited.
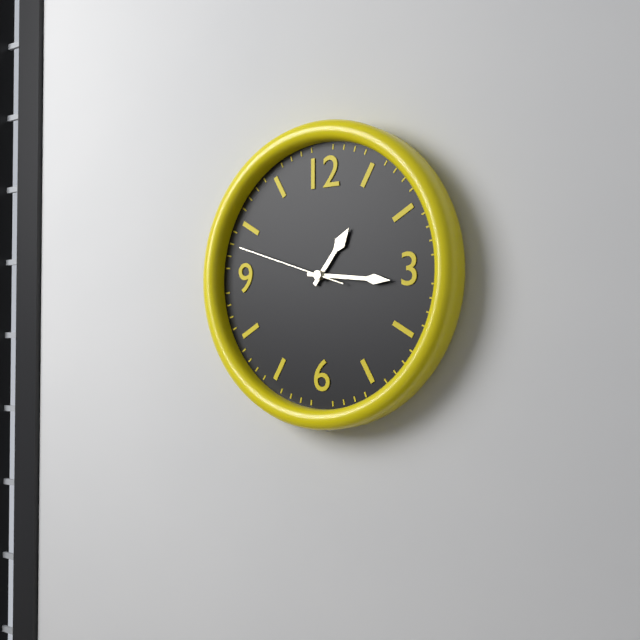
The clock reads 1.16.48
